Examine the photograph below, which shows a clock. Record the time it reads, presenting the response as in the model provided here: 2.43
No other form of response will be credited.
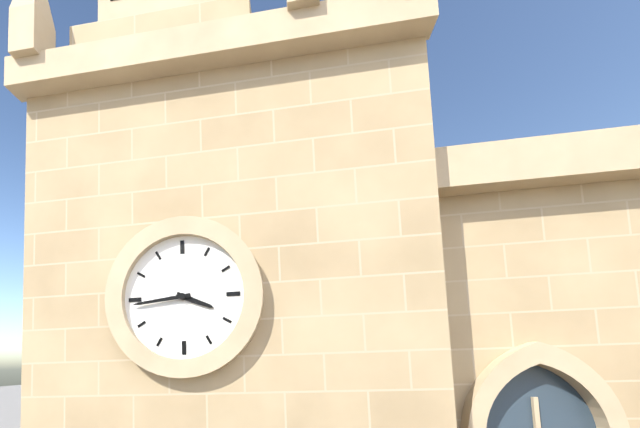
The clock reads 3.44
